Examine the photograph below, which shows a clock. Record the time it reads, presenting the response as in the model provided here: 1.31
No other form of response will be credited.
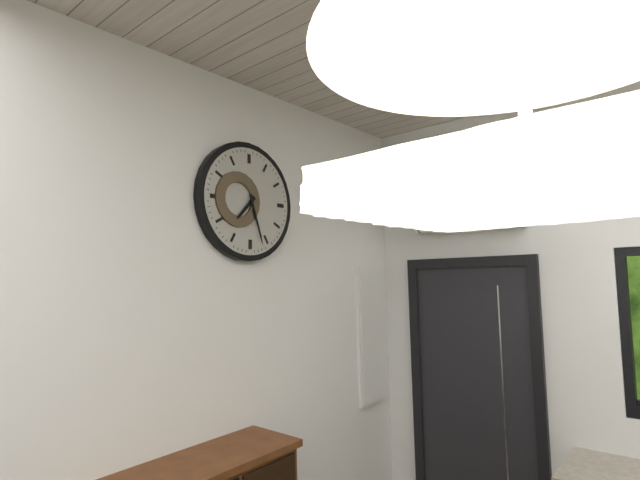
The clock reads 7.27
